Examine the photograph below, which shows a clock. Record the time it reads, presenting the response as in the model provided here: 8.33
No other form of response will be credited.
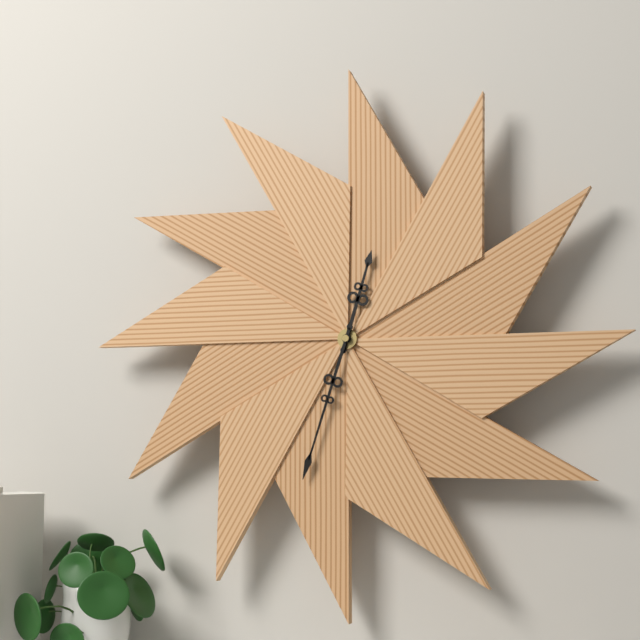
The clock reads 12.33
